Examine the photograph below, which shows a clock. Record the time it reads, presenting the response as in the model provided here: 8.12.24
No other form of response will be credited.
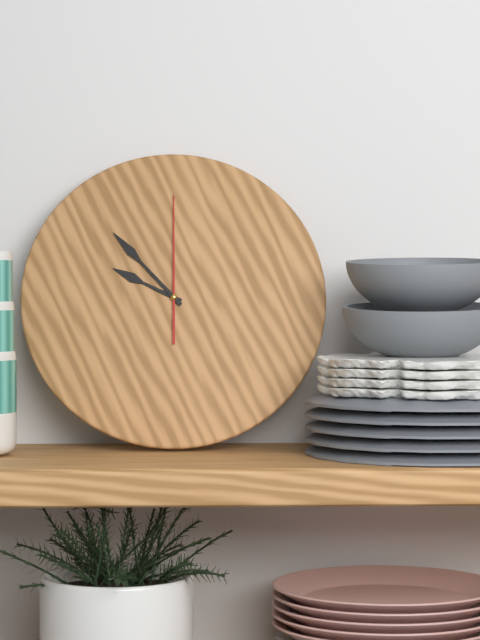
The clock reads 9.53.00
